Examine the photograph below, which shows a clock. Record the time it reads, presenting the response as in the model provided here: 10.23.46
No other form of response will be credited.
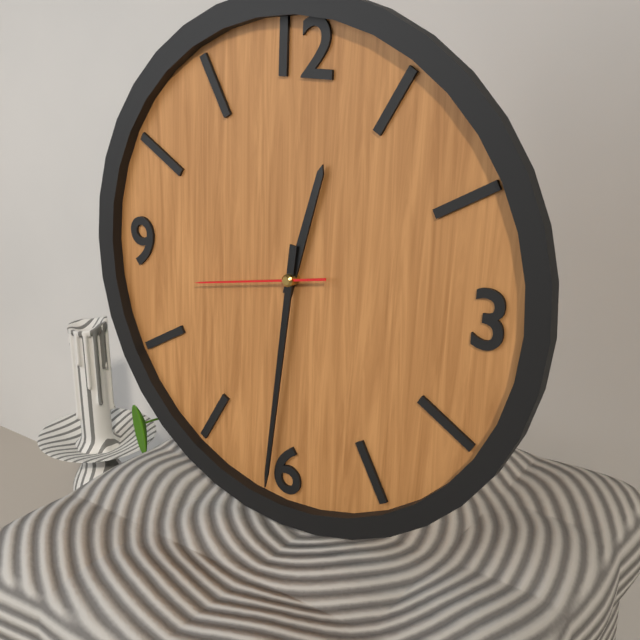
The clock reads 12.31.43
